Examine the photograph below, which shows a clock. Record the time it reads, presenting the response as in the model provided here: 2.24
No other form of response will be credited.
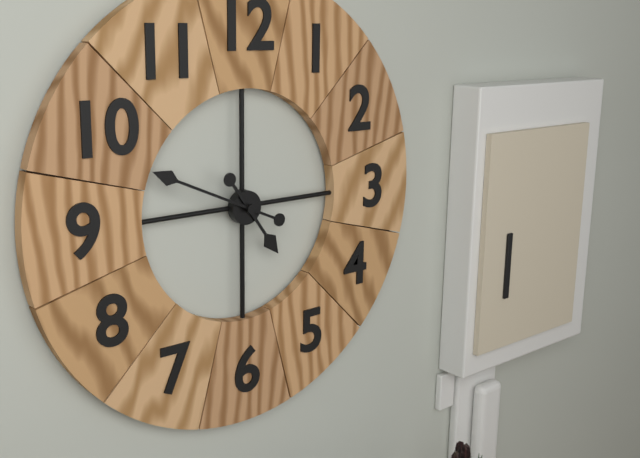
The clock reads 4.49
